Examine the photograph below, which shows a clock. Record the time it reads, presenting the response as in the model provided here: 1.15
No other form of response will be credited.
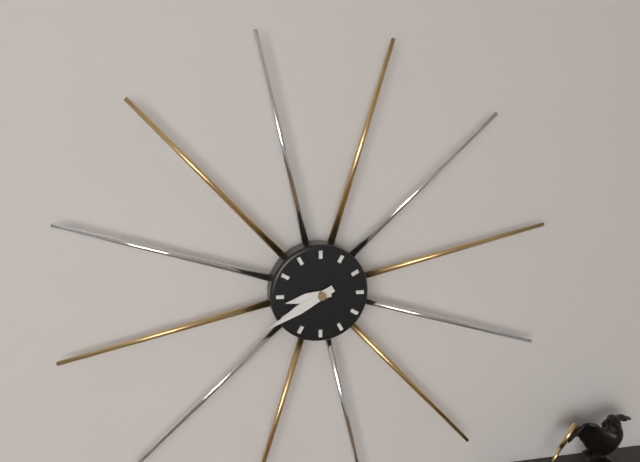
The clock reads 8.40
